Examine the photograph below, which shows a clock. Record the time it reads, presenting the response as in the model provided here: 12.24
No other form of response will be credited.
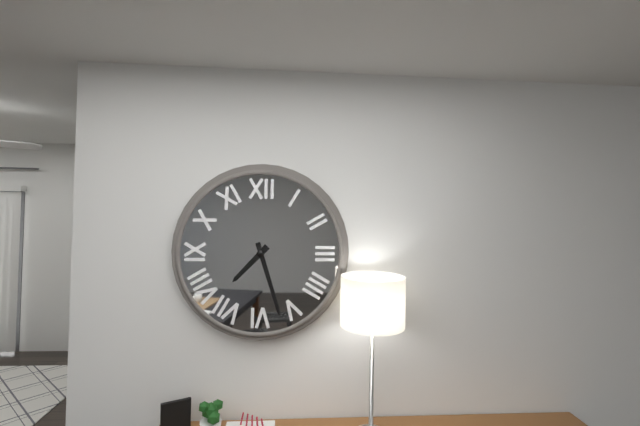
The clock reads 7.27
